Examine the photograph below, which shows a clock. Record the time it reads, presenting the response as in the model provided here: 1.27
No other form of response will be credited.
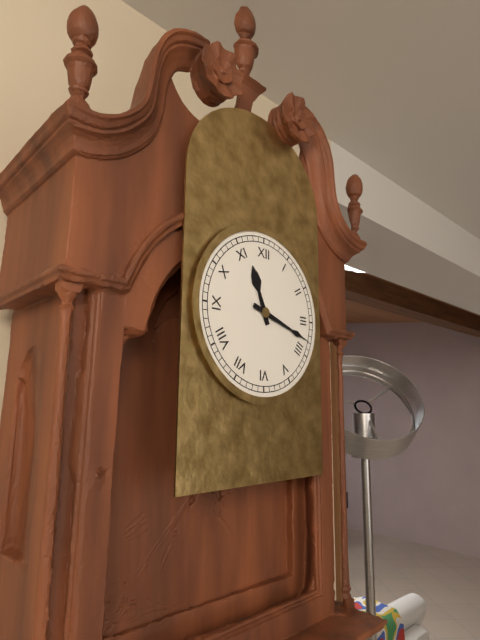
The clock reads 11.18
